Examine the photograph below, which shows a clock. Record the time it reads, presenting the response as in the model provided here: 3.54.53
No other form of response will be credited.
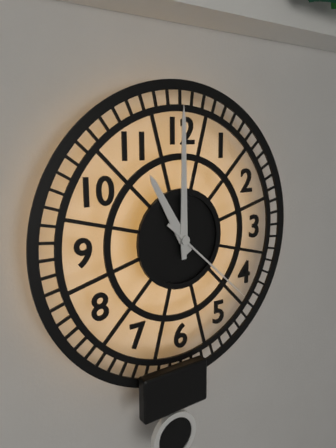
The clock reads 11.00.22
